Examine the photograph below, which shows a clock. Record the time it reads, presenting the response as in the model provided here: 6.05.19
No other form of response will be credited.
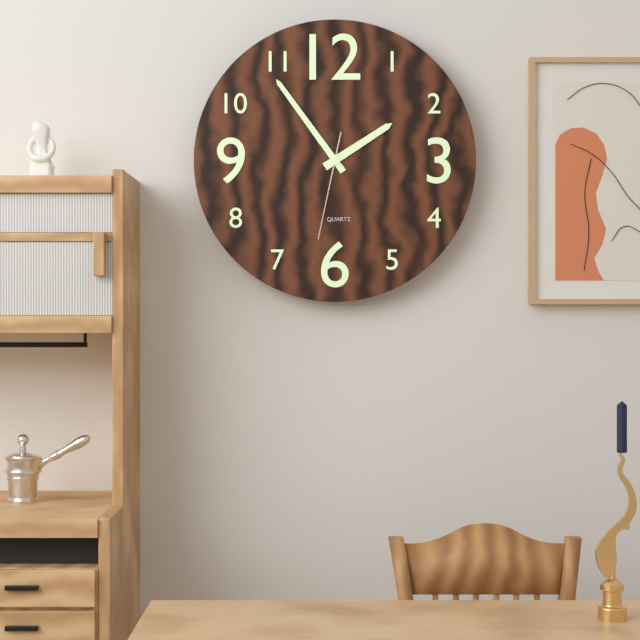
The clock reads 1.54.32
